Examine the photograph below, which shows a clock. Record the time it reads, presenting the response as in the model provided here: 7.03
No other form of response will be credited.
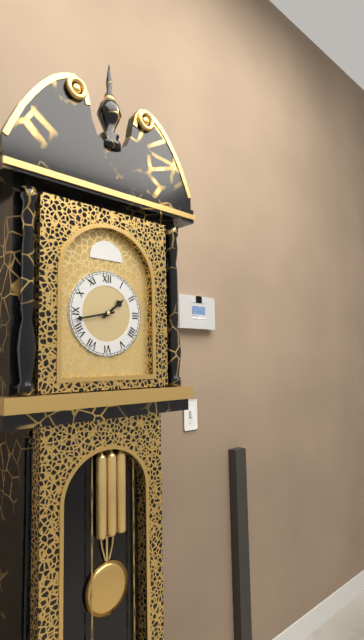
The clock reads 1.43
